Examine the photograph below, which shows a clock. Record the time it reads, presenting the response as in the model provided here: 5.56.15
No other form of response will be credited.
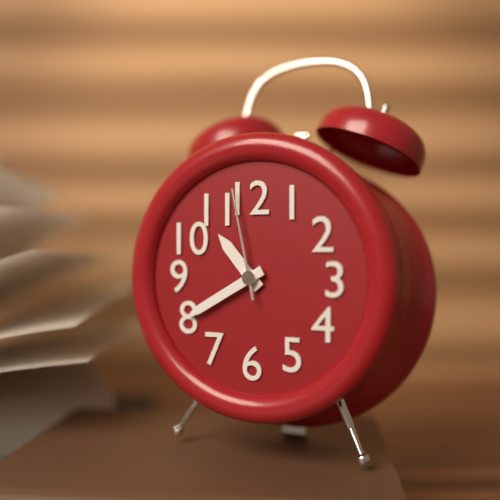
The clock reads 10.40.58
